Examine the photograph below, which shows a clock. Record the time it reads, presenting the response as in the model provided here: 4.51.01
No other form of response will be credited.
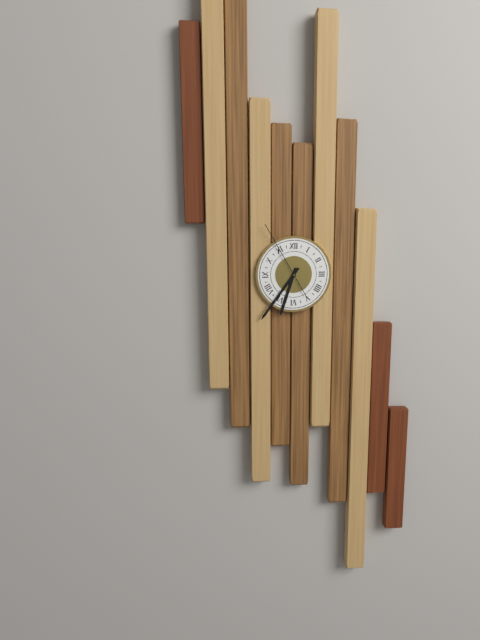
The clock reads 6.36.55
